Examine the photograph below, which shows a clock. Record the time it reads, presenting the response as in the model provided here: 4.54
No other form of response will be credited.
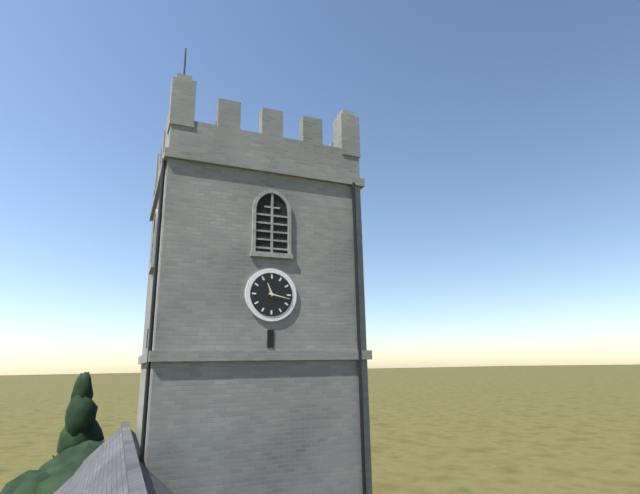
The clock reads 11.17
